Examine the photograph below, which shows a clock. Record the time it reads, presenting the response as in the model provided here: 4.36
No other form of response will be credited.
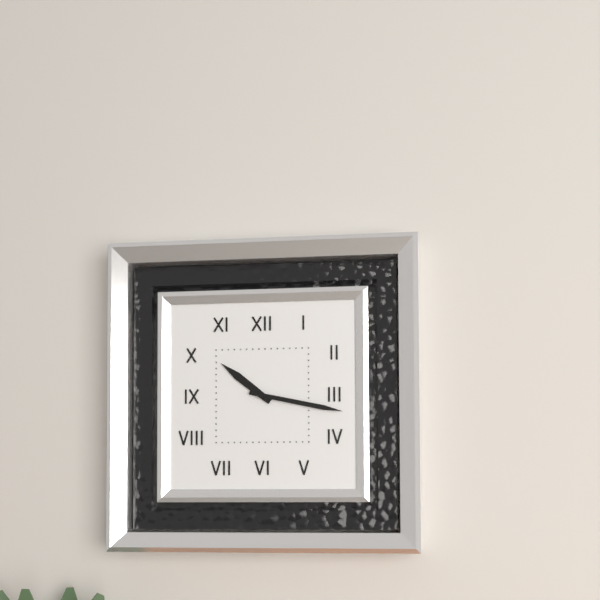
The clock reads 10.17
